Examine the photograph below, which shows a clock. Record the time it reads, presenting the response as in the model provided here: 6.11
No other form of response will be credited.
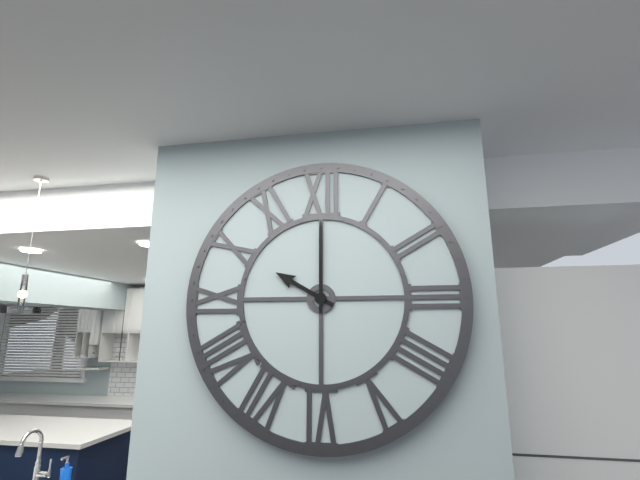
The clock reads 10.00
